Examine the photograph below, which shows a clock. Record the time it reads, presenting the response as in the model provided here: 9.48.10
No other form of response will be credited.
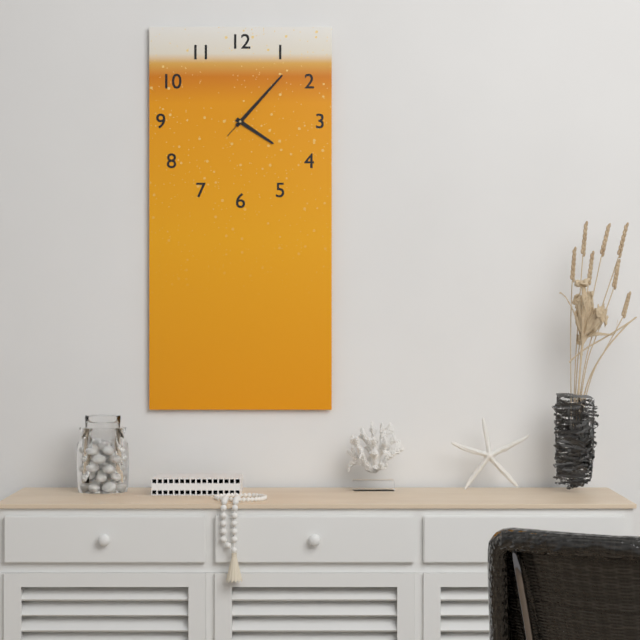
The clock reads 4.07.07
